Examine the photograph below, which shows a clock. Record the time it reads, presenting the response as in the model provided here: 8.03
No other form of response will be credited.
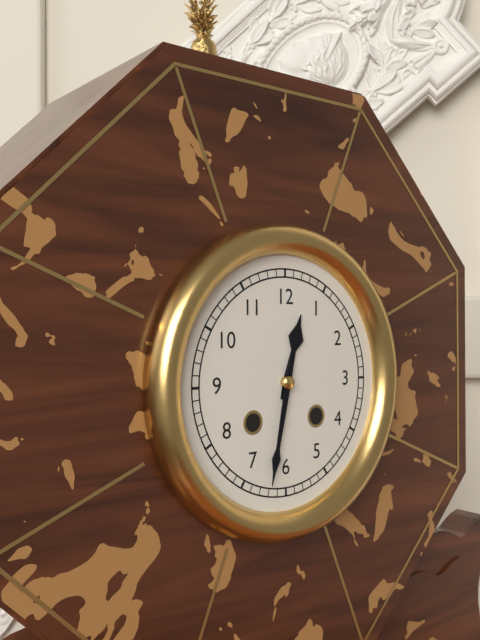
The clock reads 12.32
